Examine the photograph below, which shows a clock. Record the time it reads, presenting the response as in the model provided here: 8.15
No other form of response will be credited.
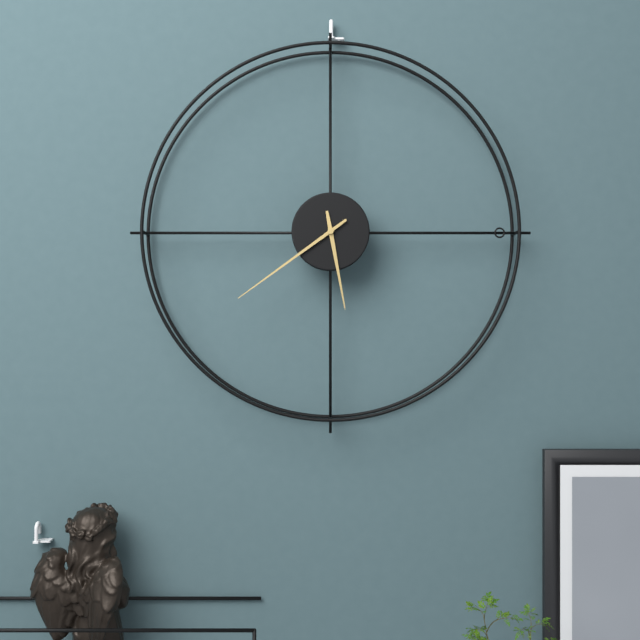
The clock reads 5.39
